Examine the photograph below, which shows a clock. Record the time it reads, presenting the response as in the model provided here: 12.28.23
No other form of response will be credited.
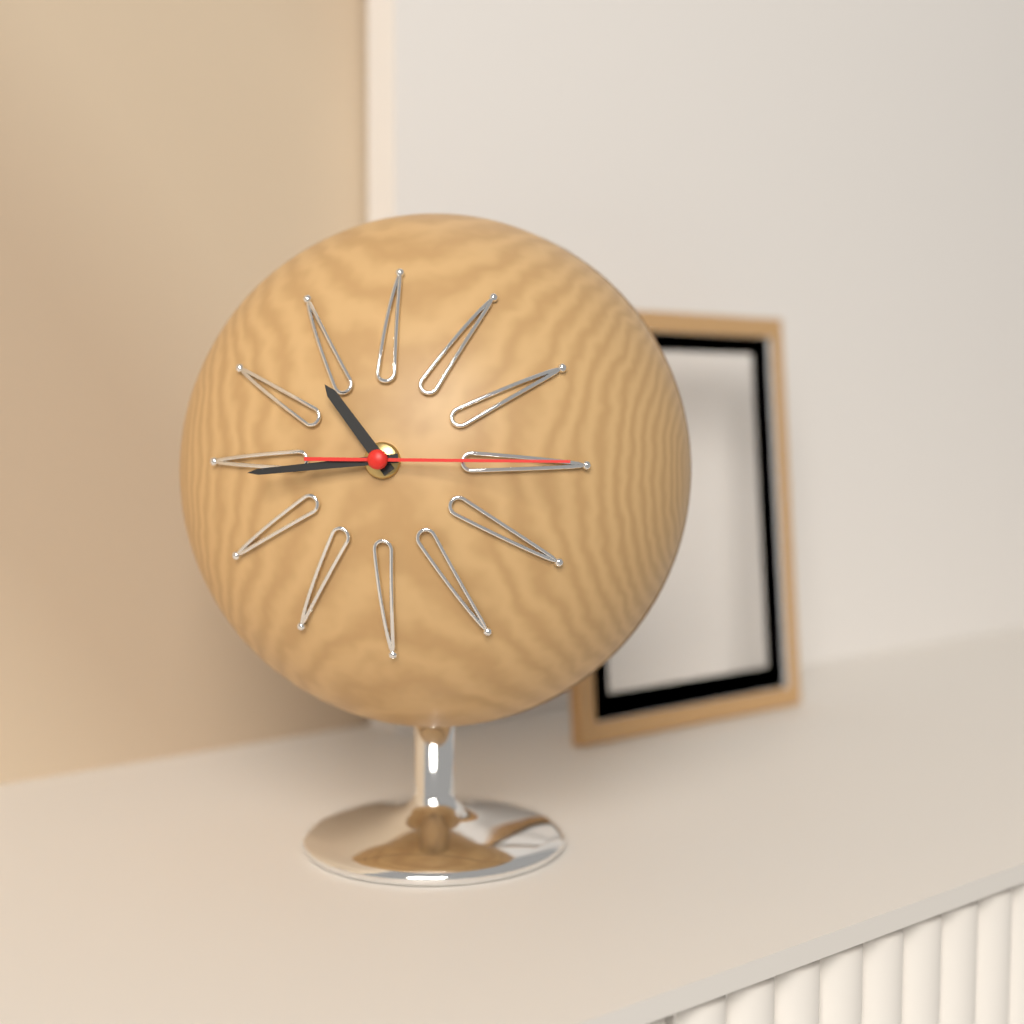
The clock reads 10.44.15
